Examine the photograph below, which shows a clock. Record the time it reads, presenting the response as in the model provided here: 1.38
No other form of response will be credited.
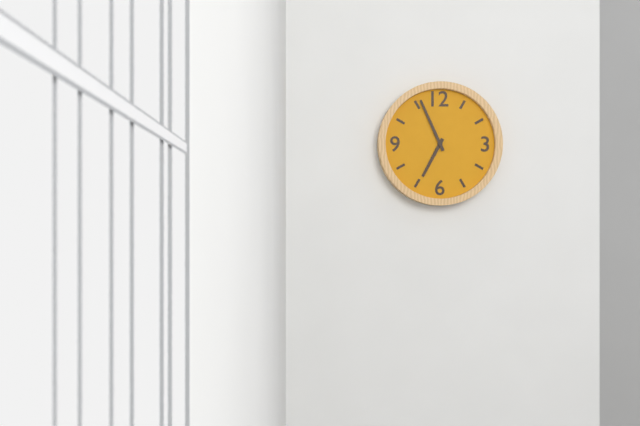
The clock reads 6.56
